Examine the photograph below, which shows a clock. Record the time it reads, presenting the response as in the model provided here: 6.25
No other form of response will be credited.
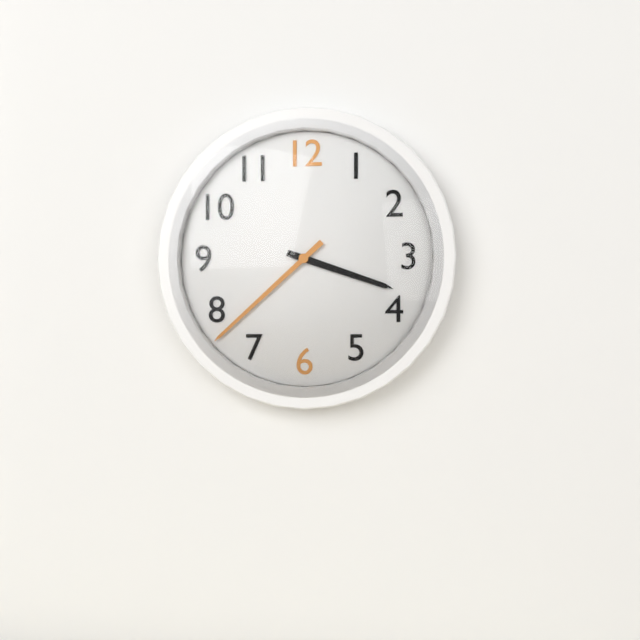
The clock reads 3.38
